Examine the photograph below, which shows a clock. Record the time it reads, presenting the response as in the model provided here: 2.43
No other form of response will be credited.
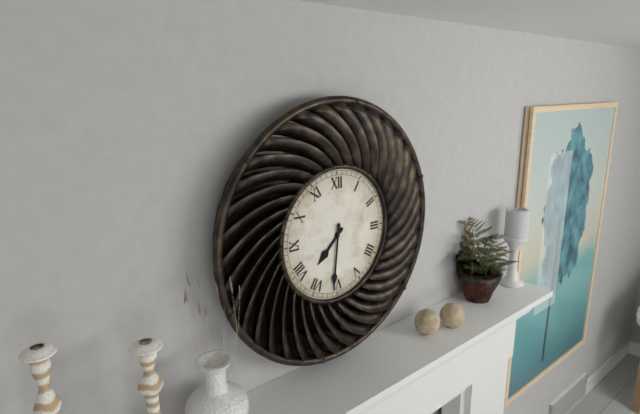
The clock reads 7.31
